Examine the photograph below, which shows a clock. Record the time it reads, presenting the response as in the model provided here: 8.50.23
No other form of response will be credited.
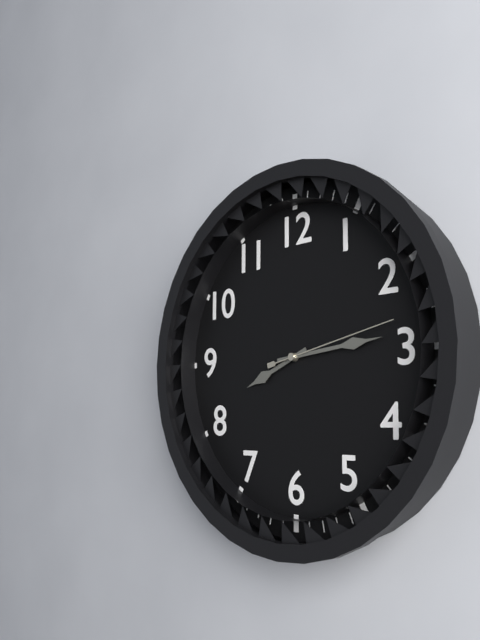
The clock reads 8.14.13
